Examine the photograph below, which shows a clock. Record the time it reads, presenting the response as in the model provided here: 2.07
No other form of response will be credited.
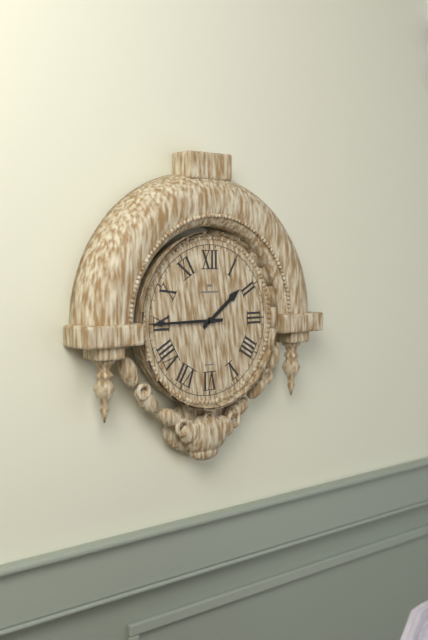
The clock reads 1.45
